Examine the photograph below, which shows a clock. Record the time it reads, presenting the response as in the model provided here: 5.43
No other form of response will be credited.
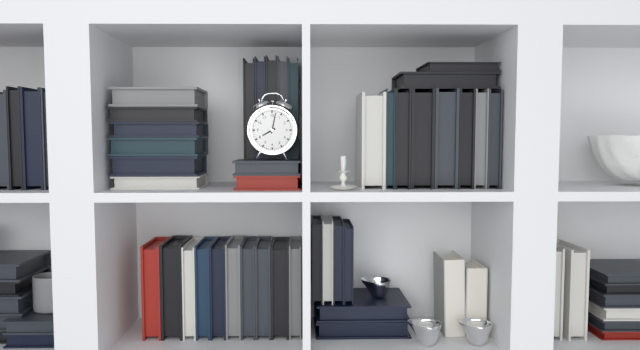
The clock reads 8.02
